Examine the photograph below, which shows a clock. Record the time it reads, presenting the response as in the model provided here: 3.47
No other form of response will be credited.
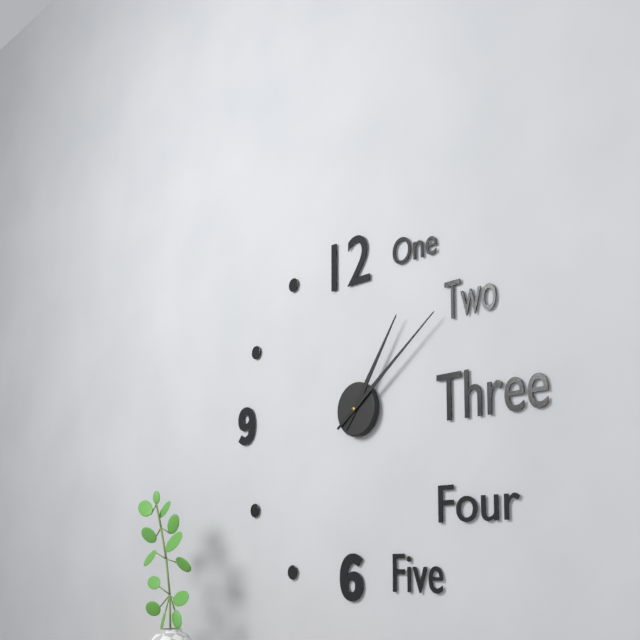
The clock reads 1.09
